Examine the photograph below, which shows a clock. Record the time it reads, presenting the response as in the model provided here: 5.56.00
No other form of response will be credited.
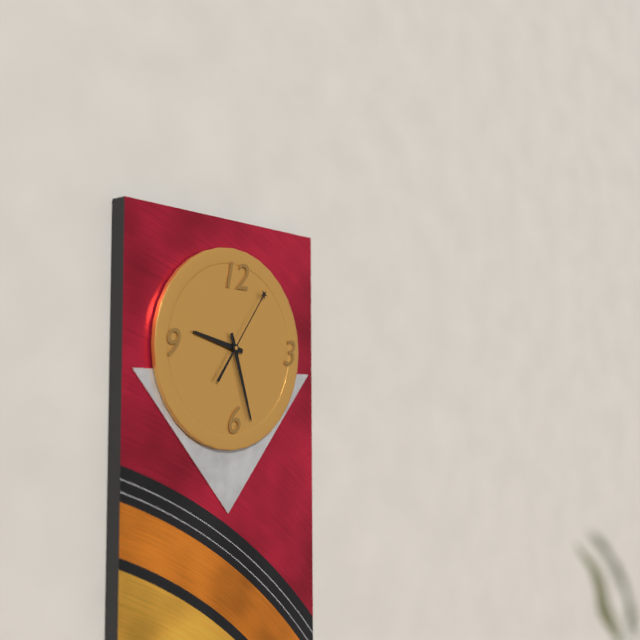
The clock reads 9.27.06
